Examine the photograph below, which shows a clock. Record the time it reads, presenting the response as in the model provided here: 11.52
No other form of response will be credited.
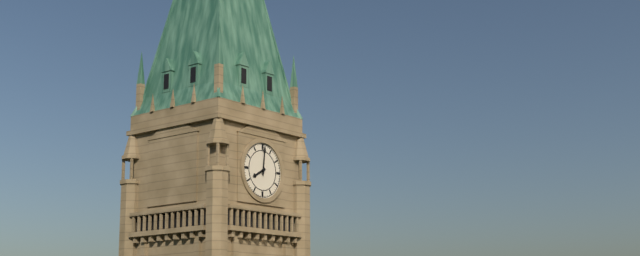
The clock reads 8.01
